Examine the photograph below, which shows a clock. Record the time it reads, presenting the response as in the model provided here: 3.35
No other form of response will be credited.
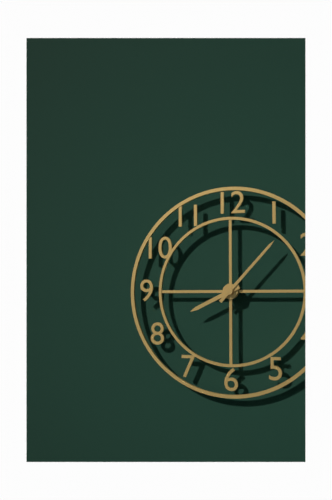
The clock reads 8.07
